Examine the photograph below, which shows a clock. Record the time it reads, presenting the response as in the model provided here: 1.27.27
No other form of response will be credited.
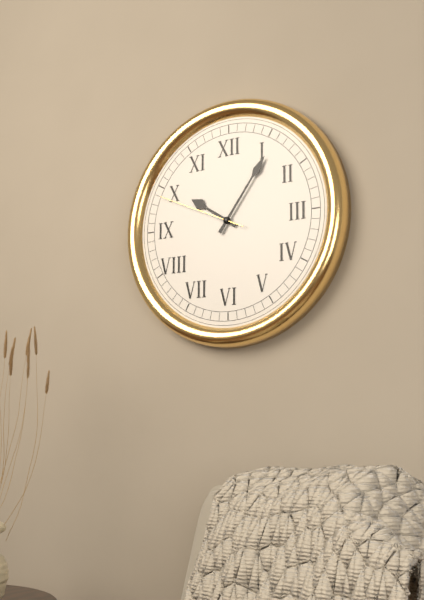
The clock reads 10.06.49
